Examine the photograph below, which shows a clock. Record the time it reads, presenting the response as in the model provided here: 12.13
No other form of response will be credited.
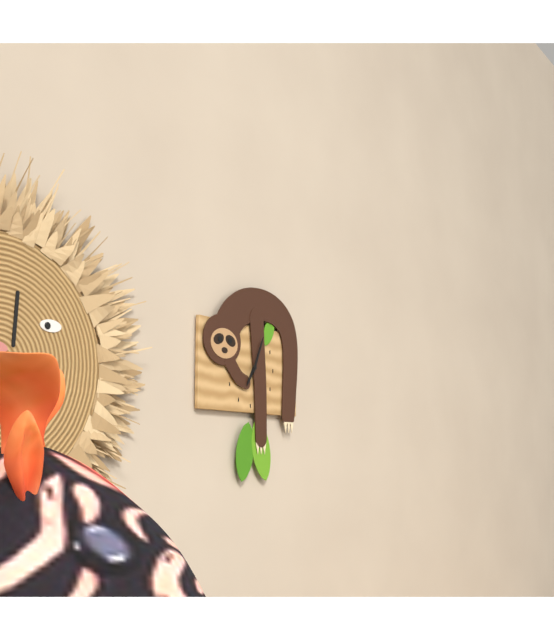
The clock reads 7.04
